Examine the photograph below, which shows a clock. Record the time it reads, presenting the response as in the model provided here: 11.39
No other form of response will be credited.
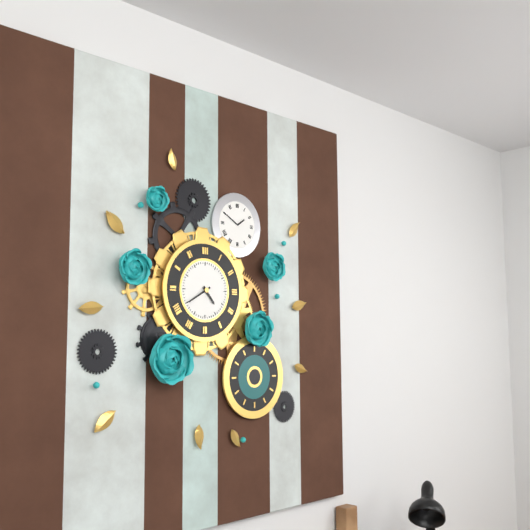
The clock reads 4.40
